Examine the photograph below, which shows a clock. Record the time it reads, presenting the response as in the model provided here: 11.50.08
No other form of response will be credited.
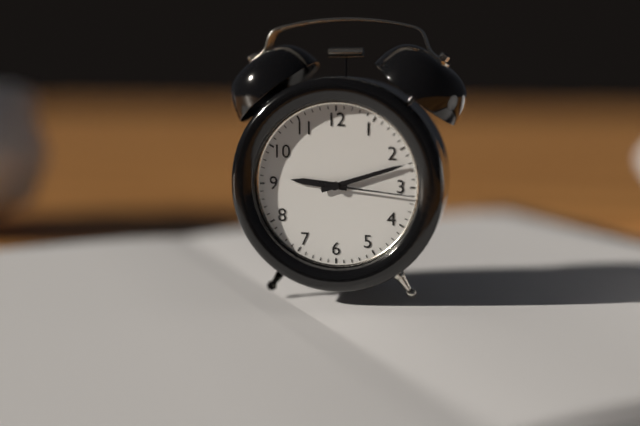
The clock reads 9.12.16
